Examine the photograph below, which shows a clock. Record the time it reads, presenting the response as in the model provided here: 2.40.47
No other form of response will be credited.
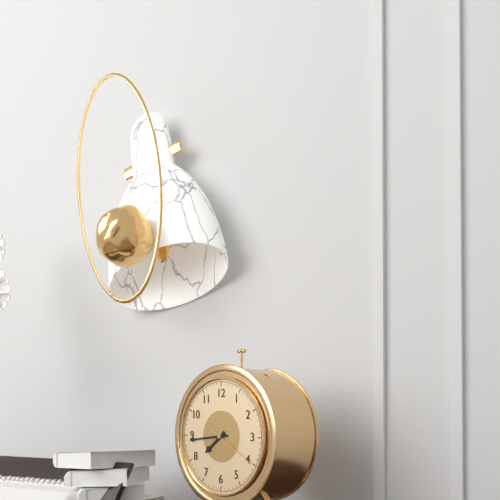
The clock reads 7.44.20
